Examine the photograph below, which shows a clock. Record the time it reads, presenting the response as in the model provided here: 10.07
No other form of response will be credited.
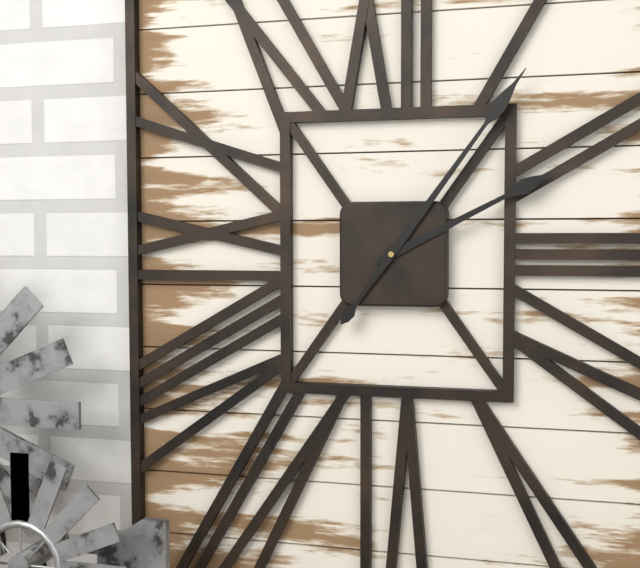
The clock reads 2.06
